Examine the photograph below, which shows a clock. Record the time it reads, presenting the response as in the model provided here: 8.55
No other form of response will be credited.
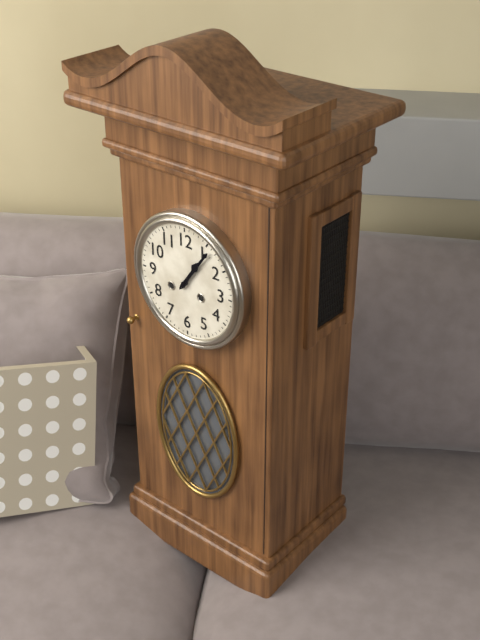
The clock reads 1.06
